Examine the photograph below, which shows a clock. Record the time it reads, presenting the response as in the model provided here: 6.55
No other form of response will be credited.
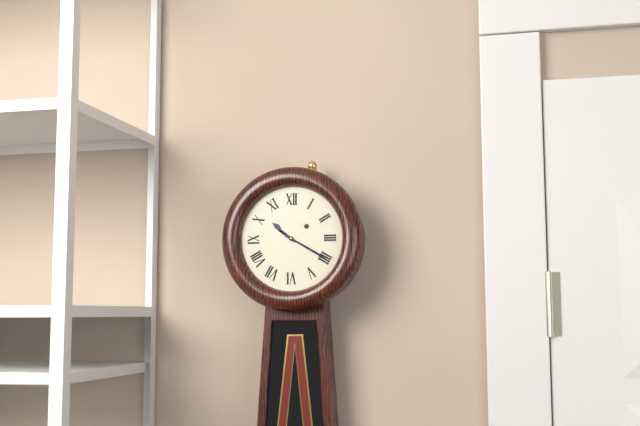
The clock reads 10.20
